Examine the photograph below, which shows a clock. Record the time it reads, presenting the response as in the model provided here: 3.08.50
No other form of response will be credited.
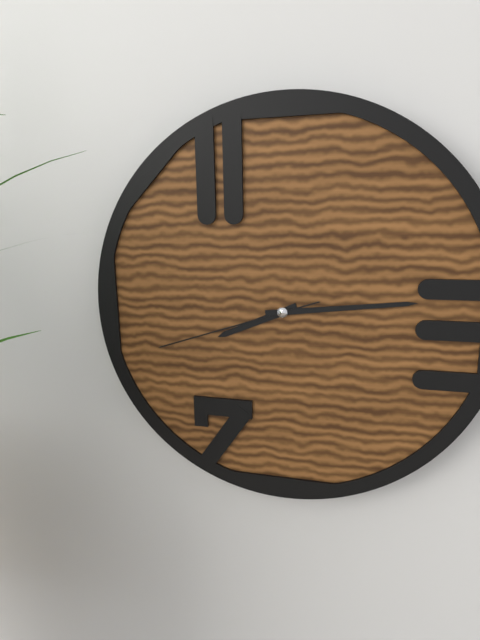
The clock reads 8.14.42
